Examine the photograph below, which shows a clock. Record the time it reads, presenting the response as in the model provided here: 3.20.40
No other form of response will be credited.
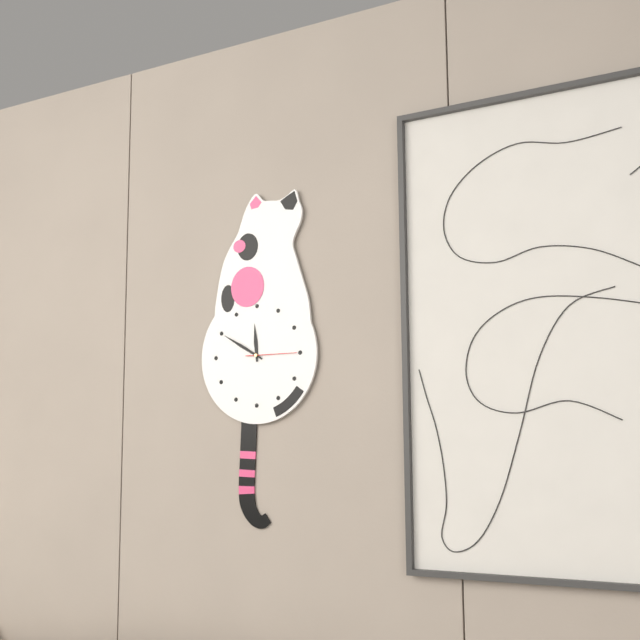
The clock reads 11.50.15
